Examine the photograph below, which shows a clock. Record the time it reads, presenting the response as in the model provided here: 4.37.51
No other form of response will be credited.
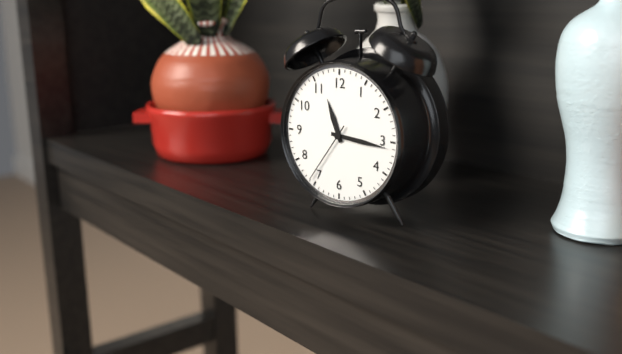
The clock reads 11.16.36
